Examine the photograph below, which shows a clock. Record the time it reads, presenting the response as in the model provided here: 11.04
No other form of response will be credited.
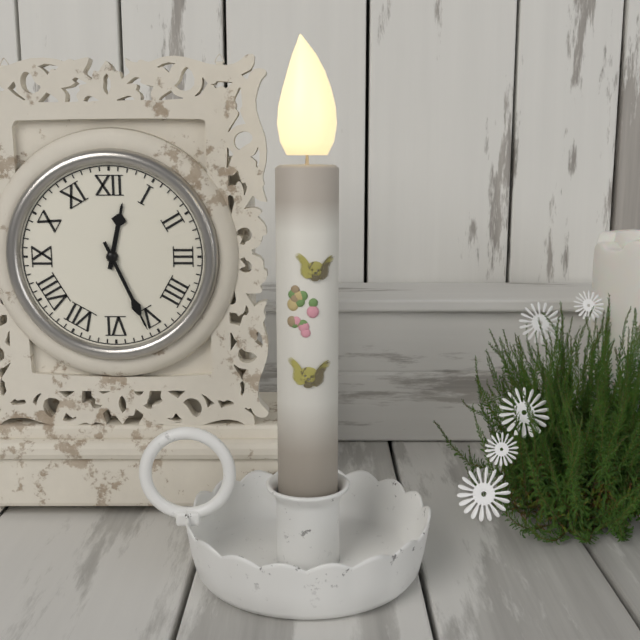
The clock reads 12.26
